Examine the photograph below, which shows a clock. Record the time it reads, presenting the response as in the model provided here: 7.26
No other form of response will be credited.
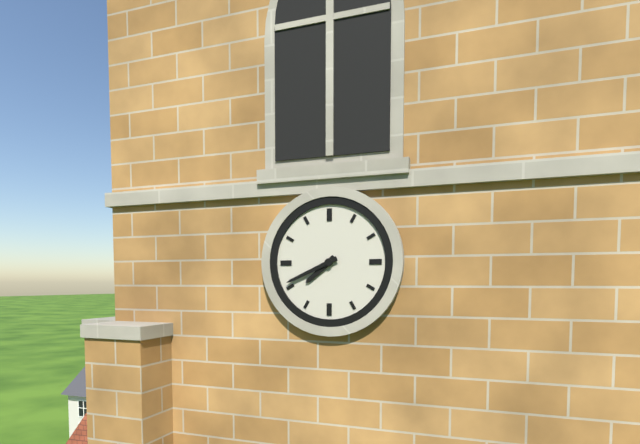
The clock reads 7.41
